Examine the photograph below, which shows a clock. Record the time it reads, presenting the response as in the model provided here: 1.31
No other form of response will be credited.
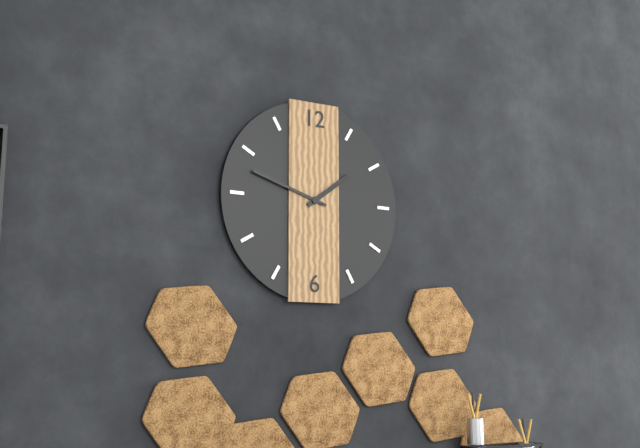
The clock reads 1.48
